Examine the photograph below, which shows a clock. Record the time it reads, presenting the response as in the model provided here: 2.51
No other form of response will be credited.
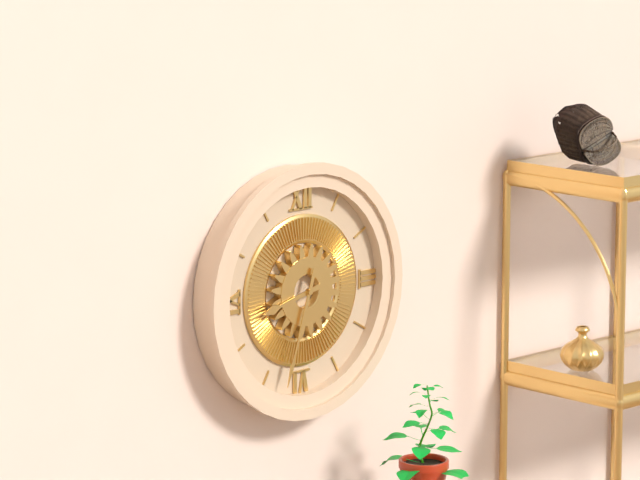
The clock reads 8.33
